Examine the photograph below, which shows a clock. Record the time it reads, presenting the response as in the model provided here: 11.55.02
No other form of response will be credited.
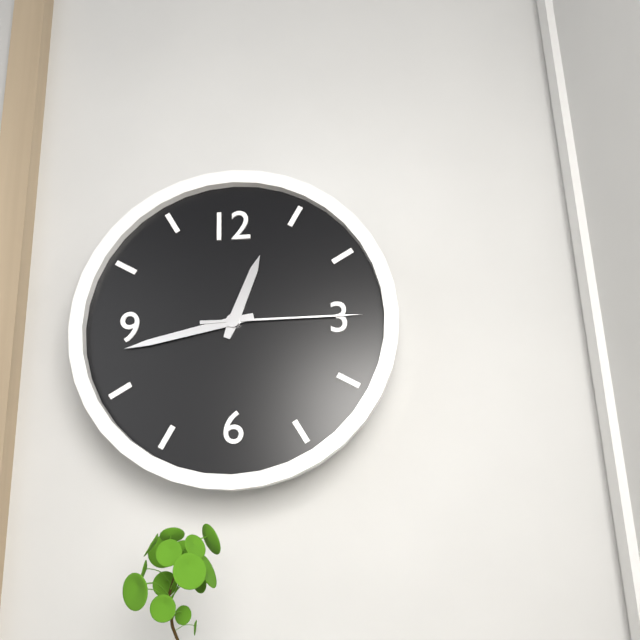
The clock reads 12.43.15
